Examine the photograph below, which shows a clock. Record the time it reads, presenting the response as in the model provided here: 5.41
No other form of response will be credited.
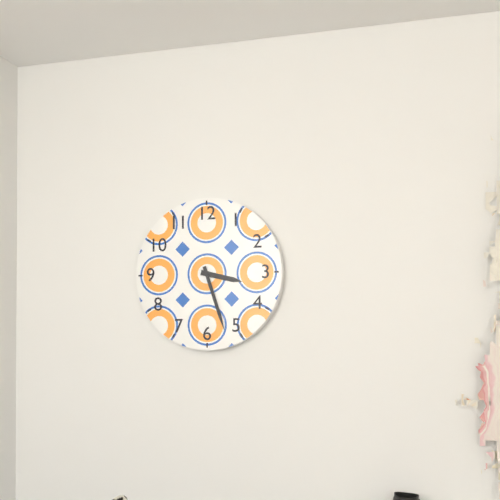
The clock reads 3.27
